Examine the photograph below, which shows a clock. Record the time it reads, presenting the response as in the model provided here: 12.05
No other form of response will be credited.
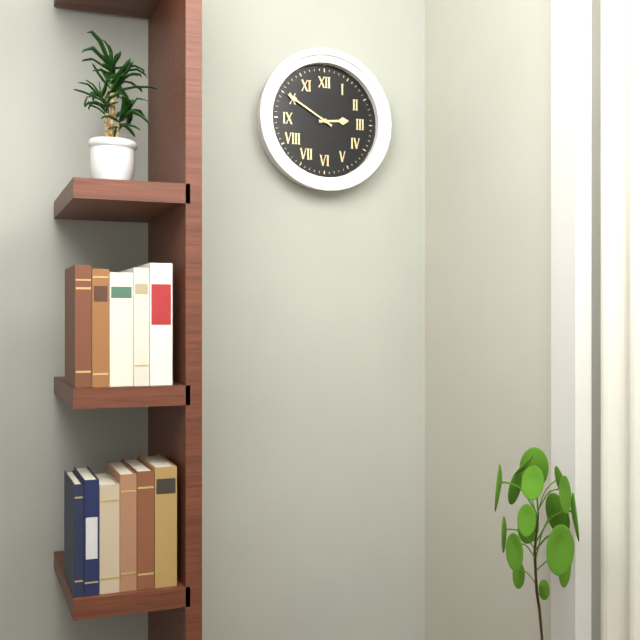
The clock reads 2.50
